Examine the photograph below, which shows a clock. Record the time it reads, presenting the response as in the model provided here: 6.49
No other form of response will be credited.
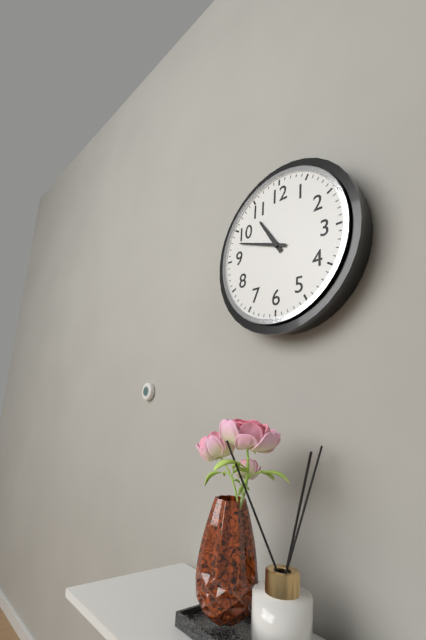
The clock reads 10.48
